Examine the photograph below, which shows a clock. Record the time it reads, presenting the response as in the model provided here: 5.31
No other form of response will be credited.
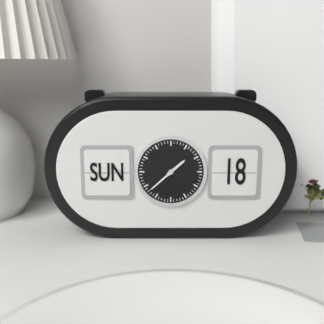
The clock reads 1.38
